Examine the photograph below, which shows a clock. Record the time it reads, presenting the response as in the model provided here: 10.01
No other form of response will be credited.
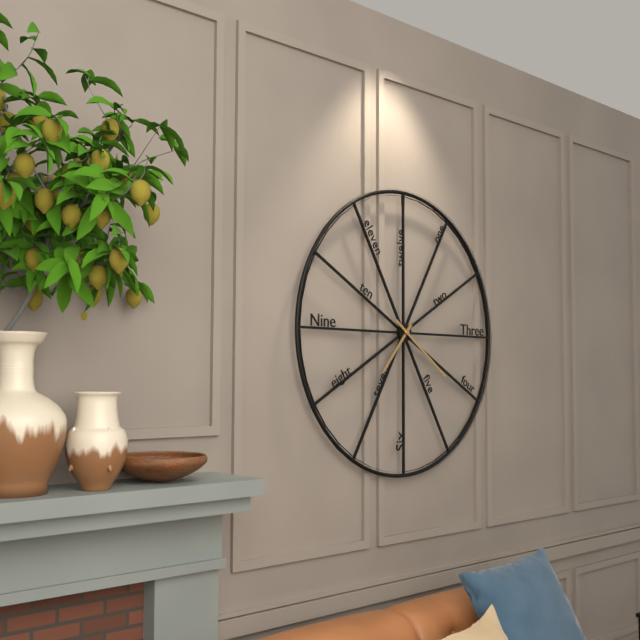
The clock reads 7.21
